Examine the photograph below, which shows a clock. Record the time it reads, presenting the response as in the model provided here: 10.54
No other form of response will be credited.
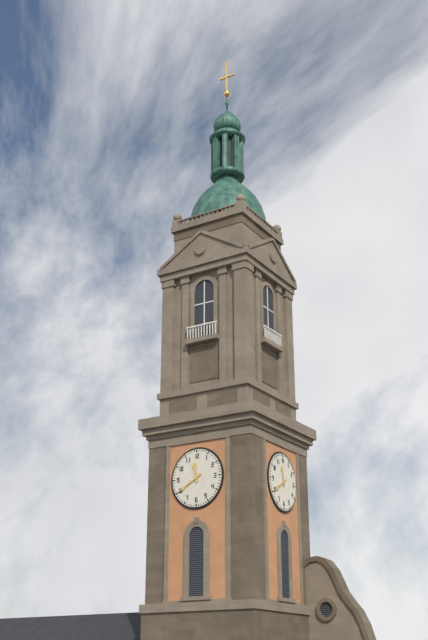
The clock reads 11.40
